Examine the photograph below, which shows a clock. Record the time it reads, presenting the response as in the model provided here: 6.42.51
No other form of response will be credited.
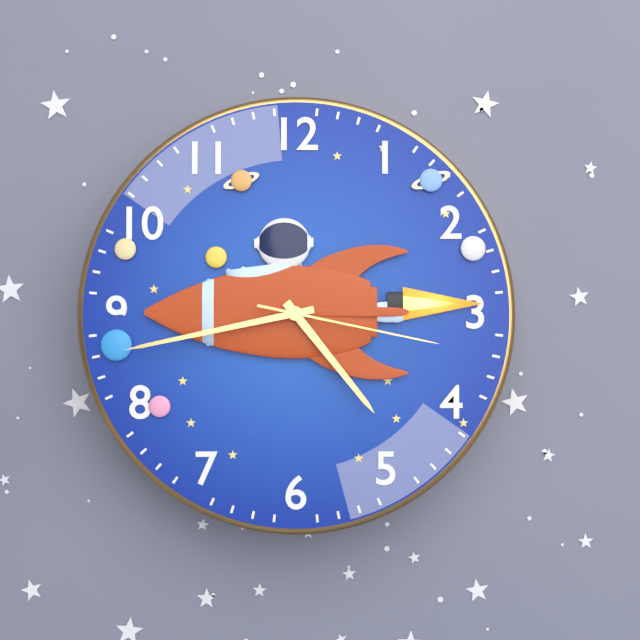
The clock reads 4.43.17
